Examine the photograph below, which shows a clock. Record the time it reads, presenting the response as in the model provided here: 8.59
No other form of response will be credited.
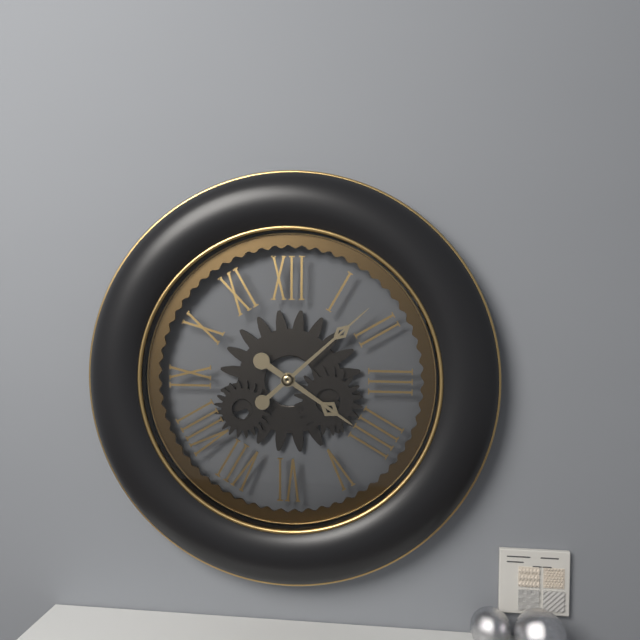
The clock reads 4.08
